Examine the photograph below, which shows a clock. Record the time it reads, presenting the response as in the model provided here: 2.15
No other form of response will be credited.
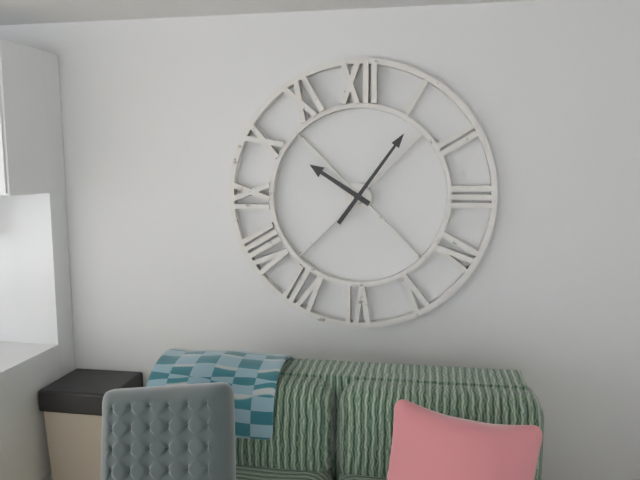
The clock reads 10.06
